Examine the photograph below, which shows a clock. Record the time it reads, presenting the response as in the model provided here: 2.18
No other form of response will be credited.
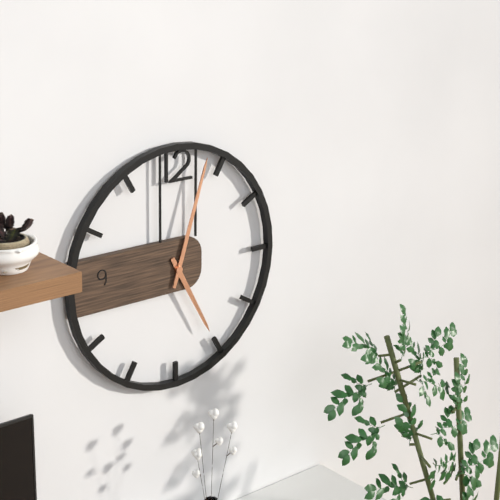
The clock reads 5.03
